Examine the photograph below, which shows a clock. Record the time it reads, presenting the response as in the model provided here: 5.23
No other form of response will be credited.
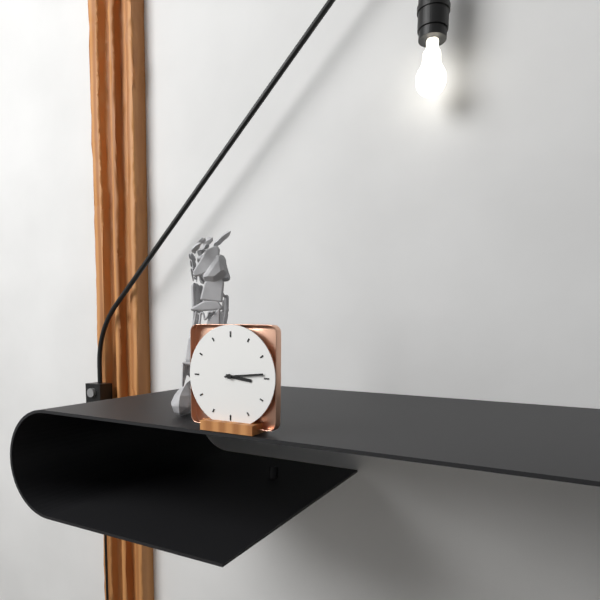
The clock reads 3.14
